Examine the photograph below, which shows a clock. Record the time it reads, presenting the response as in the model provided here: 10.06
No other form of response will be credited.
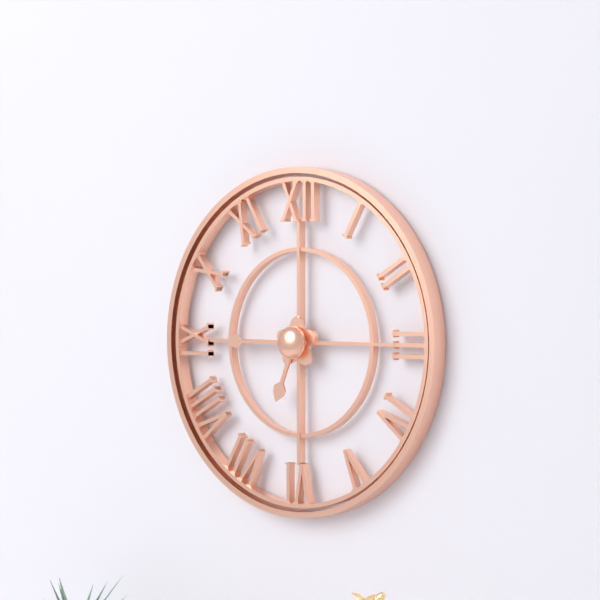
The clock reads 6.45
